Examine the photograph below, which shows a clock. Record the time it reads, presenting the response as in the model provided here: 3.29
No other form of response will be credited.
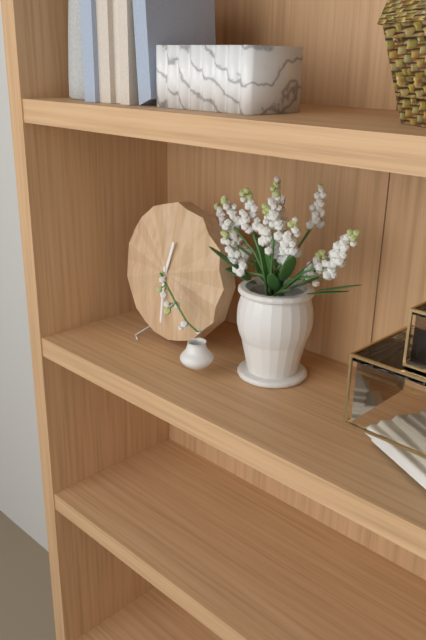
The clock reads 12.30
